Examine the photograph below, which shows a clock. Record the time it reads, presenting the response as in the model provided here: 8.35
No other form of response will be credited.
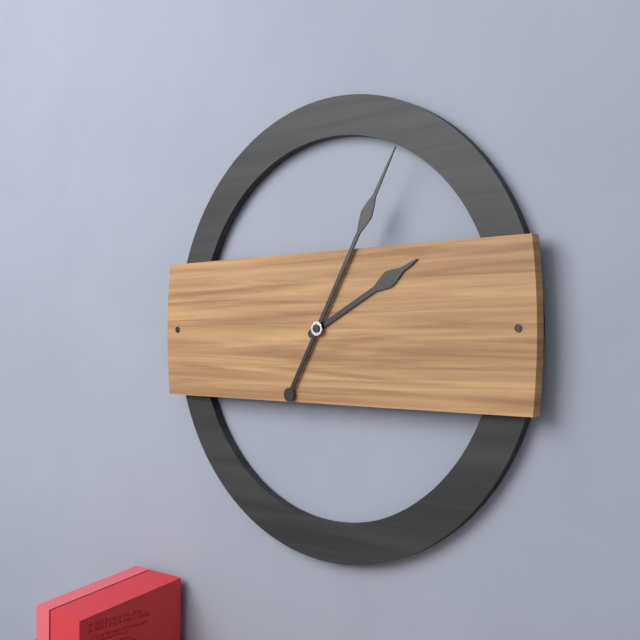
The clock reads 2.05
